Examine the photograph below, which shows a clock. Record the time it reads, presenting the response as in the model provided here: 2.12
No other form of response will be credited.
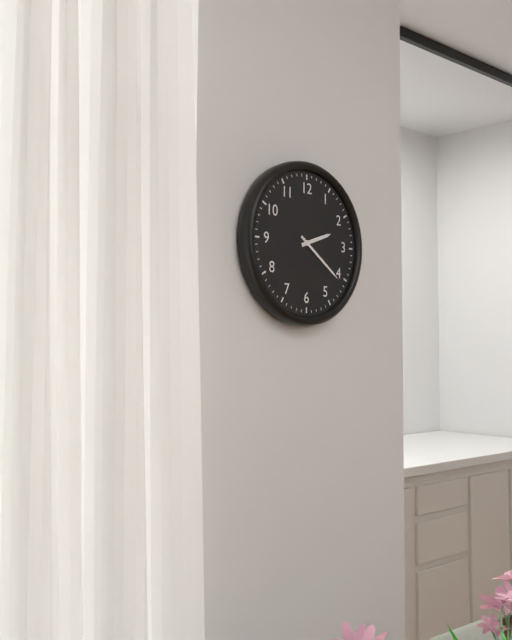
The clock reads 2.21
